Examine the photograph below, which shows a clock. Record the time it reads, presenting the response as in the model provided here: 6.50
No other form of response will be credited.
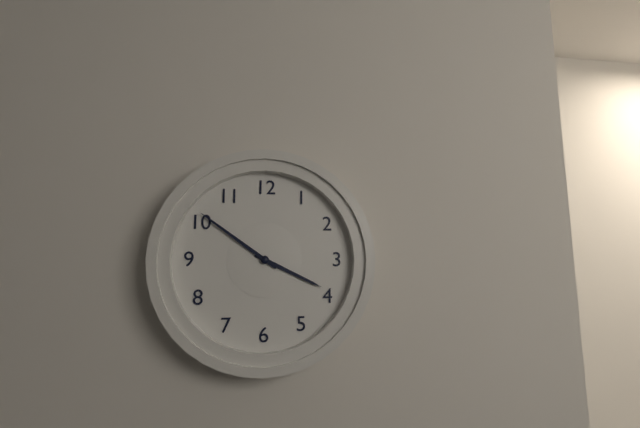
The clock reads 3.51
